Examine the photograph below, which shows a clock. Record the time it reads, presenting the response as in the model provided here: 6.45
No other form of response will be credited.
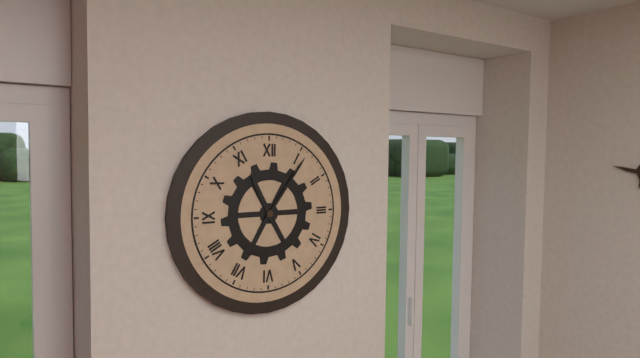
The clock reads 11.06
